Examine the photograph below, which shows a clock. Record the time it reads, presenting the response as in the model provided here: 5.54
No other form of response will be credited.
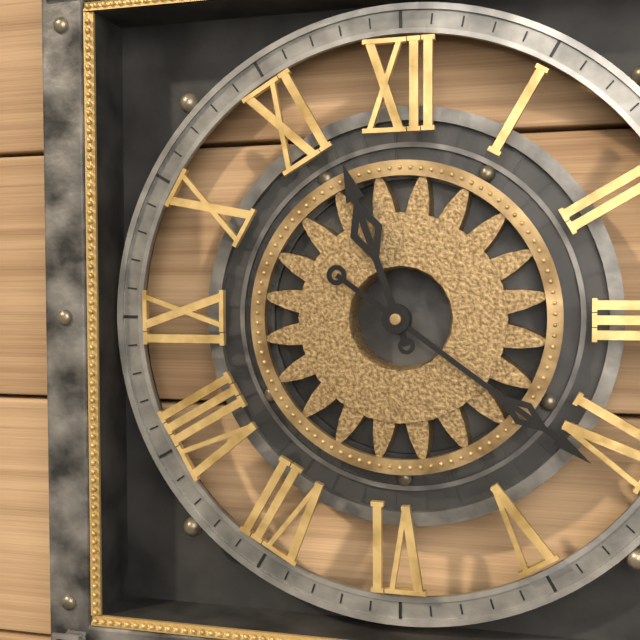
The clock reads 11.21
